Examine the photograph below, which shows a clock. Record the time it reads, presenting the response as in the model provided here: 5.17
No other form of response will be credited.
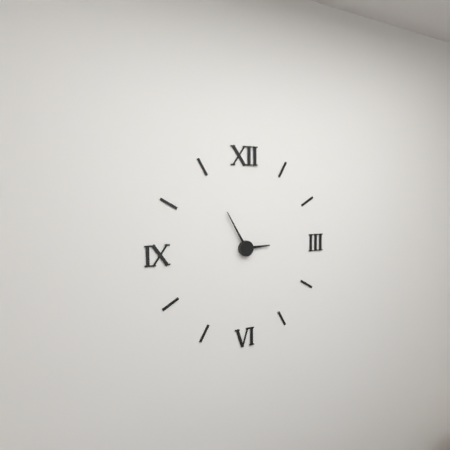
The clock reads 2.55
